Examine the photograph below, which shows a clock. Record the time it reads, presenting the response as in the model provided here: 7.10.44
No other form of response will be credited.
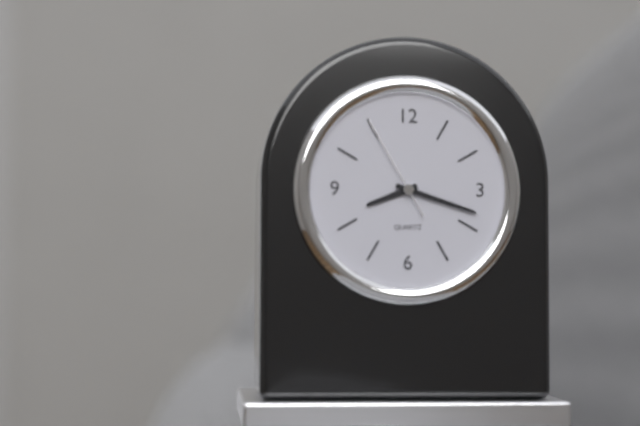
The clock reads 8.18.55
